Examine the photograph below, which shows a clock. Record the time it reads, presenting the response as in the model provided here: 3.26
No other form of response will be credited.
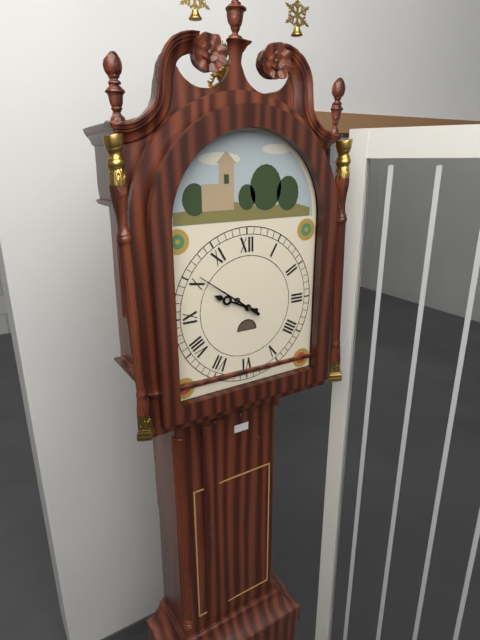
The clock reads 9.51
